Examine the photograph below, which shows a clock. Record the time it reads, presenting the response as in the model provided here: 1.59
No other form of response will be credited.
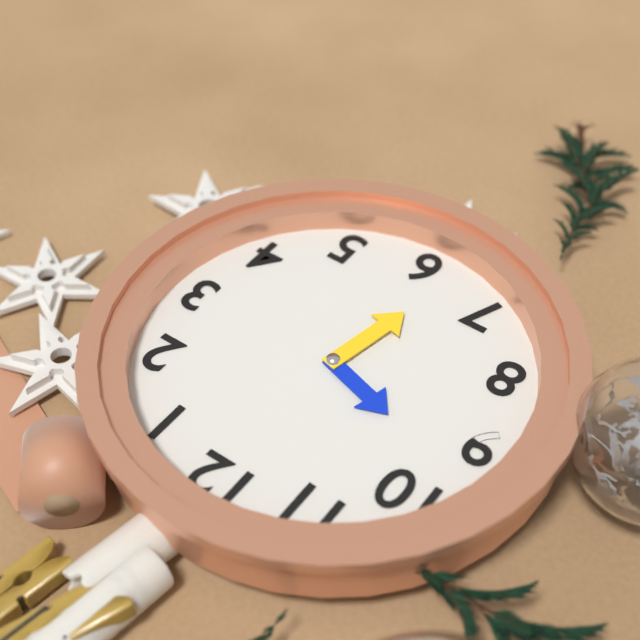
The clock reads 9.32
